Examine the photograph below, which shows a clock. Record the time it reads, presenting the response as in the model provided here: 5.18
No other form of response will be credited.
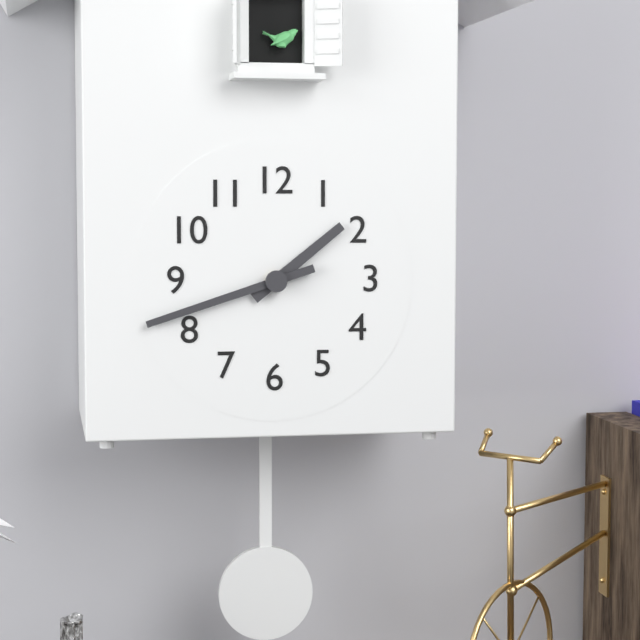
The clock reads 1.42
